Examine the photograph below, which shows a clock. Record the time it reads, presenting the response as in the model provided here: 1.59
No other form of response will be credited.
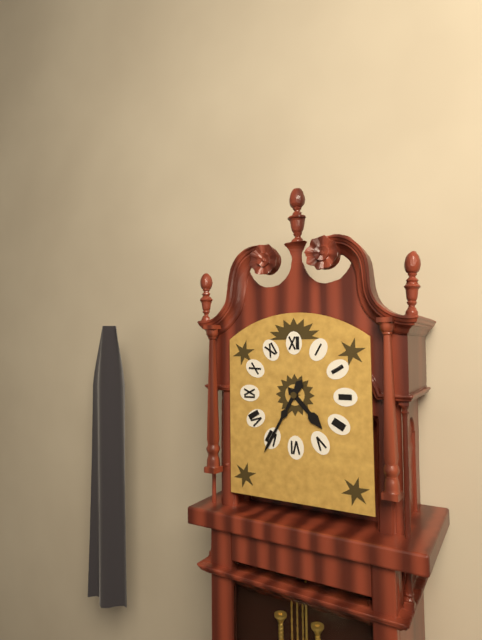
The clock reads 4.35
